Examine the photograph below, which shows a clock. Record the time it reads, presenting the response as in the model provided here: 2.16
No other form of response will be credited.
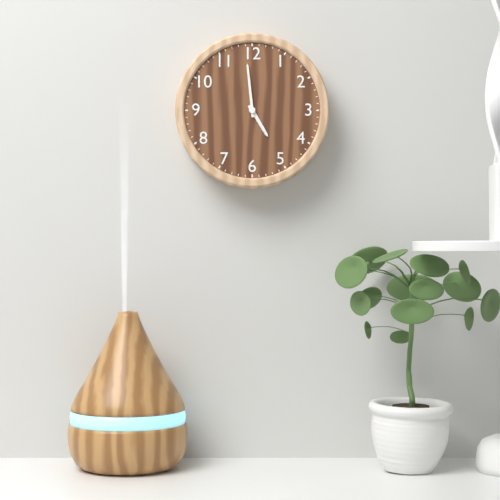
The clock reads 4.59
